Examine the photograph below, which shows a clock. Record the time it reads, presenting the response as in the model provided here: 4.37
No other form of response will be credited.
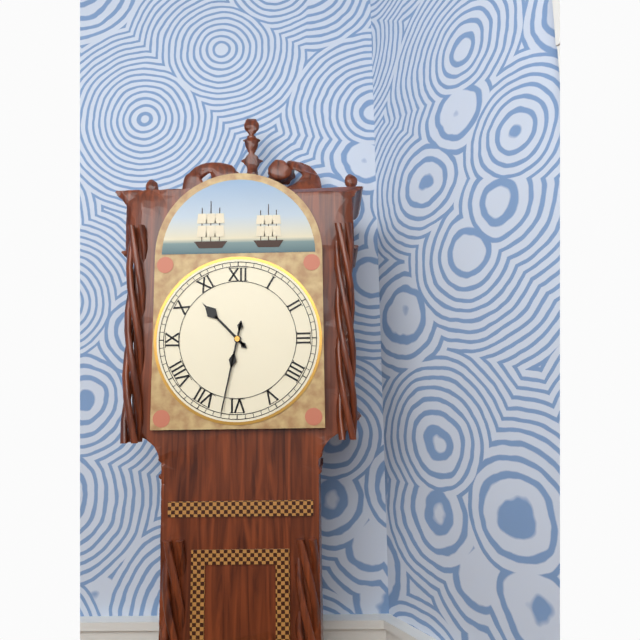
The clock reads 10.32
